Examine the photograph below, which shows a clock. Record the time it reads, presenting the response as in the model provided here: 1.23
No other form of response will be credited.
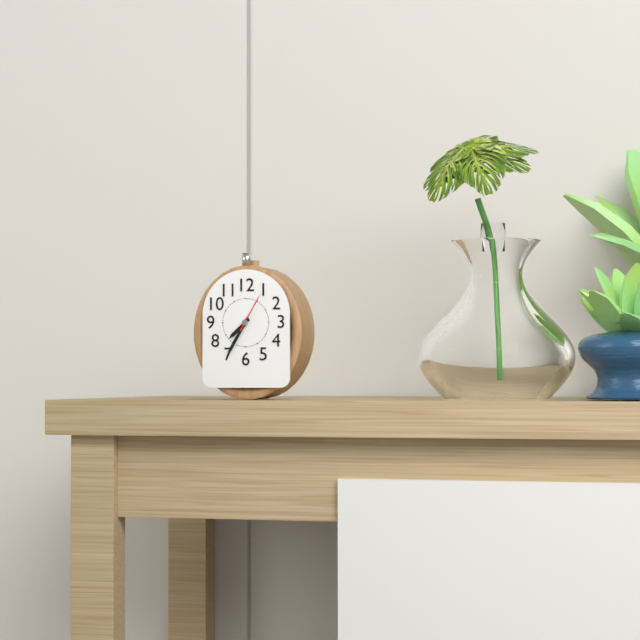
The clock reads 7.35
